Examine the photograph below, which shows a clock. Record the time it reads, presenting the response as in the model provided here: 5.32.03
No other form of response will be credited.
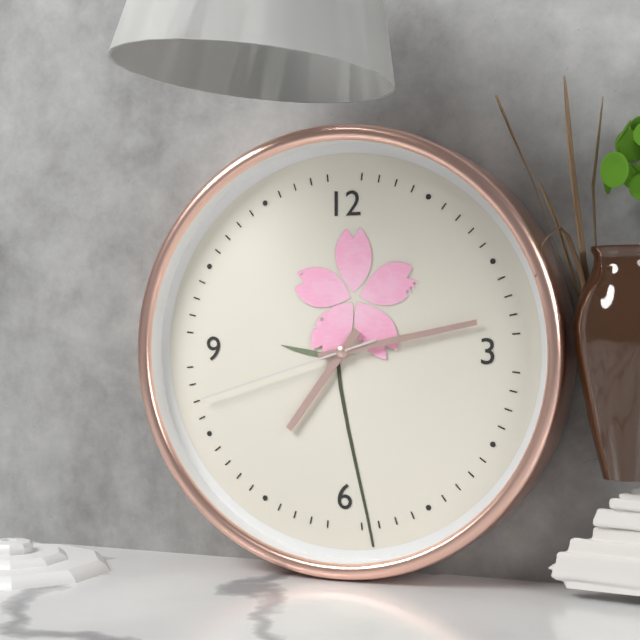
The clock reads 7.13.42
